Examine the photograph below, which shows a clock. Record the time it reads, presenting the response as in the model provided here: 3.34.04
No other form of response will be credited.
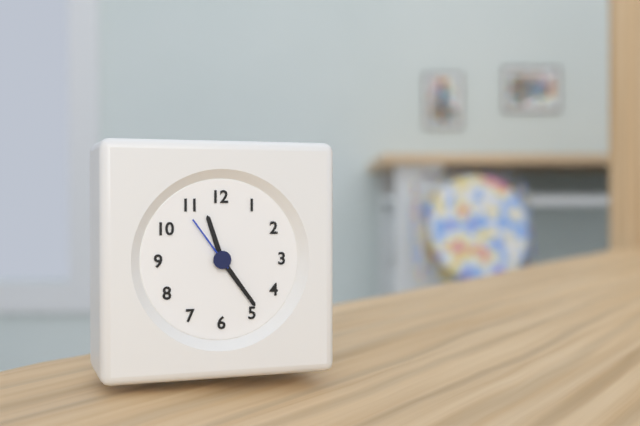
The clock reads 11.24.54
